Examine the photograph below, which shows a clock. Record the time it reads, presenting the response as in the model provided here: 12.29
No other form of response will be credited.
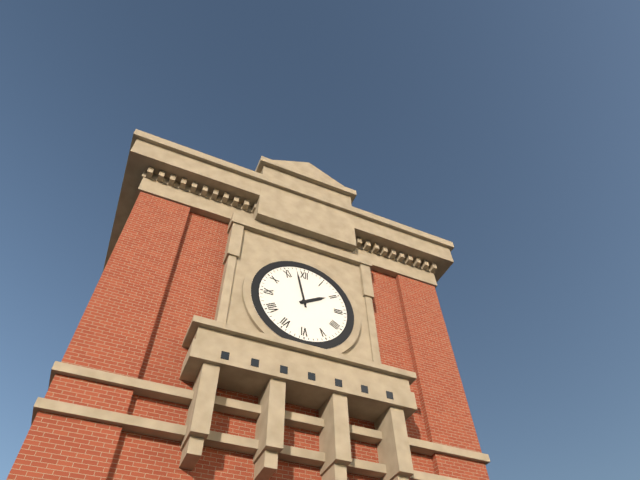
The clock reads 1.58
